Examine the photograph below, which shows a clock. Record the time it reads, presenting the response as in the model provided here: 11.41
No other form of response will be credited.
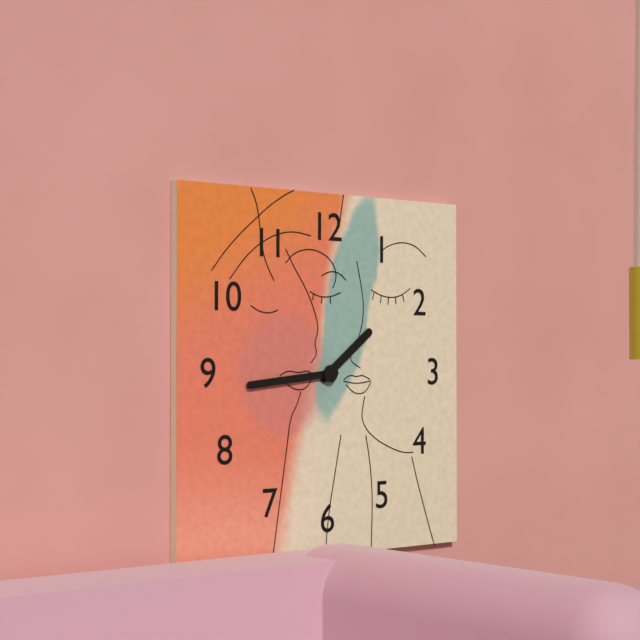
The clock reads 1.44
